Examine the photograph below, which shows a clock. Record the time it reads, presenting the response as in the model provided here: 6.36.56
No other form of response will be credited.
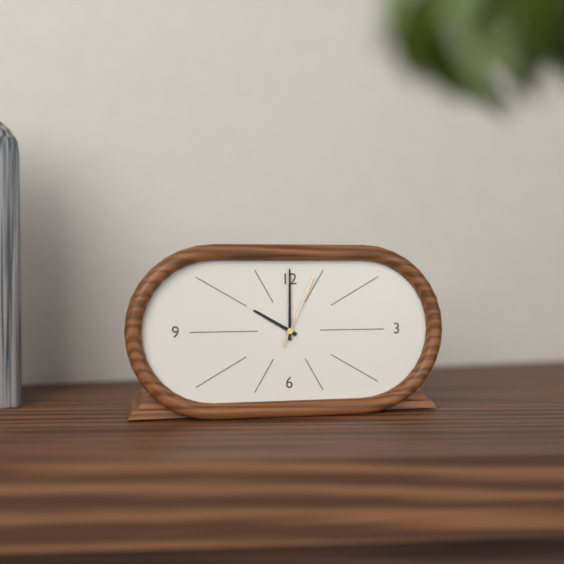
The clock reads 10.00.04
